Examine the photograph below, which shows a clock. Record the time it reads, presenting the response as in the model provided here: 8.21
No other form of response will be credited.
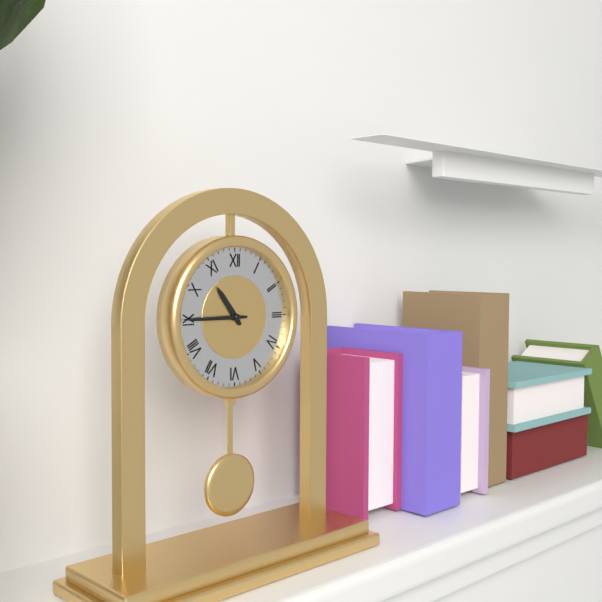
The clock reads 10.45
